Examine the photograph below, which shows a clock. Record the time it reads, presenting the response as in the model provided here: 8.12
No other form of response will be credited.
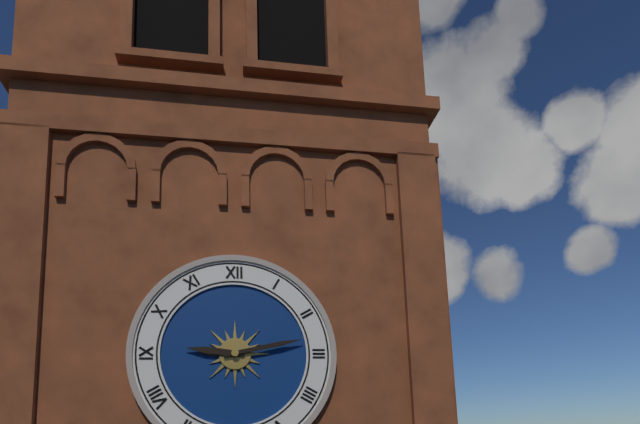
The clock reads 9.13
